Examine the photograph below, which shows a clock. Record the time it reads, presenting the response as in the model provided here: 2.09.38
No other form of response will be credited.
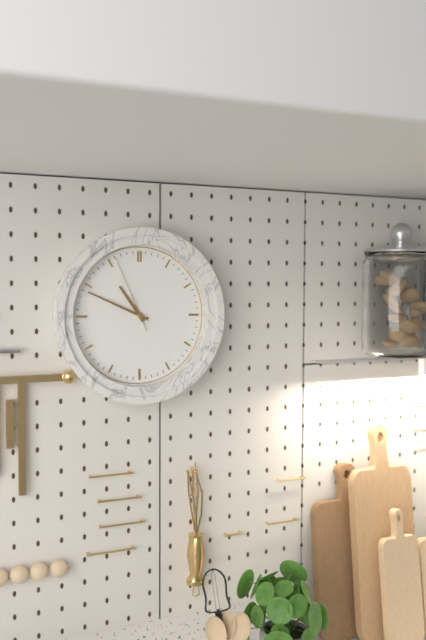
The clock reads 10.49.56
